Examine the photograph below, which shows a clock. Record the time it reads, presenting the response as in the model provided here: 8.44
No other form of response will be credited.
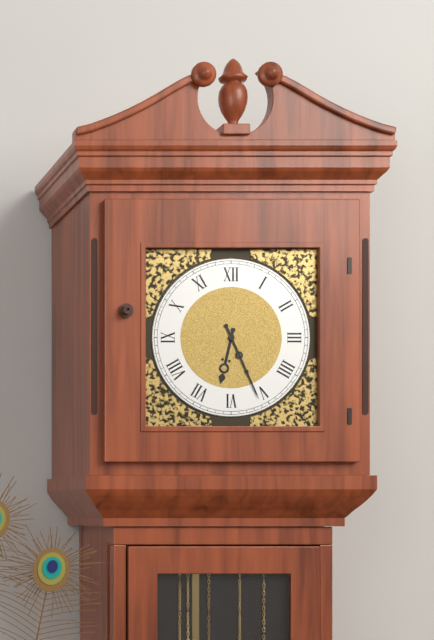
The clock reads 6.26
